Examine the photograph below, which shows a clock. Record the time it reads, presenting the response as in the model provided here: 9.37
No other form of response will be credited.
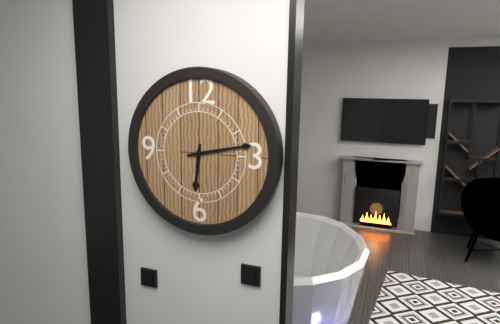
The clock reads 6.13
